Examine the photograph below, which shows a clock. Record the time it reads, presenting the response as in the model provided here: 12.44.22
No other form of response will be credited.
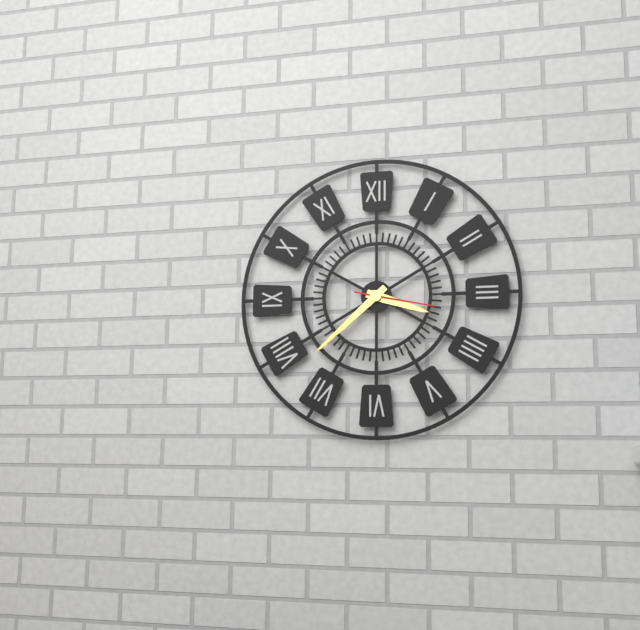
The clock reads 3.38.17
